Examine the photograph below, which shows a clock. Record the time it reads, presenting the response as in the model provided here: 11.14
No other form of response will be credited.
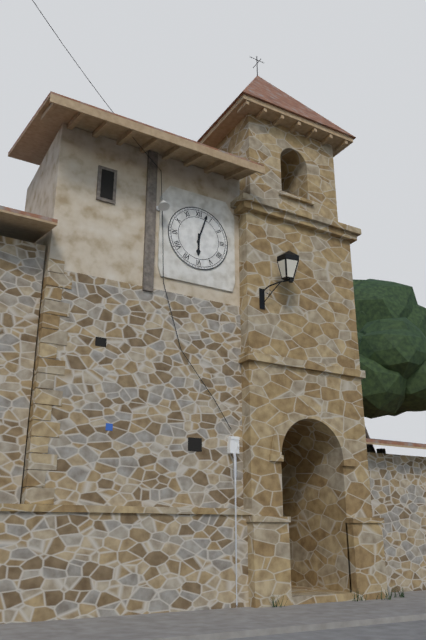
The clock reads 6.03
